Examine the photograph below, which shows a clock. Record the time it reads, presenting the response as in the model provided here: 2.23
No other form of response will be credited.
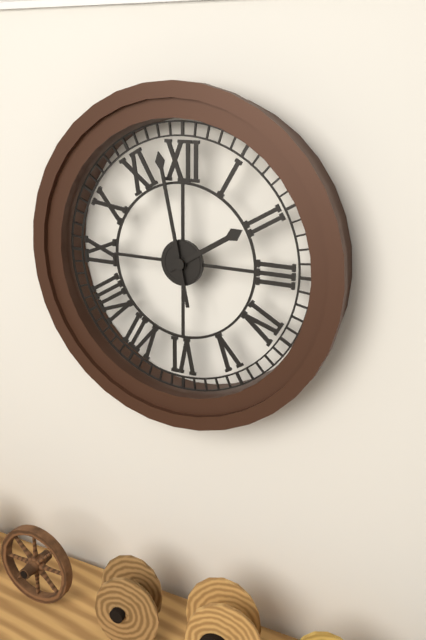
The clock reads 1.58
